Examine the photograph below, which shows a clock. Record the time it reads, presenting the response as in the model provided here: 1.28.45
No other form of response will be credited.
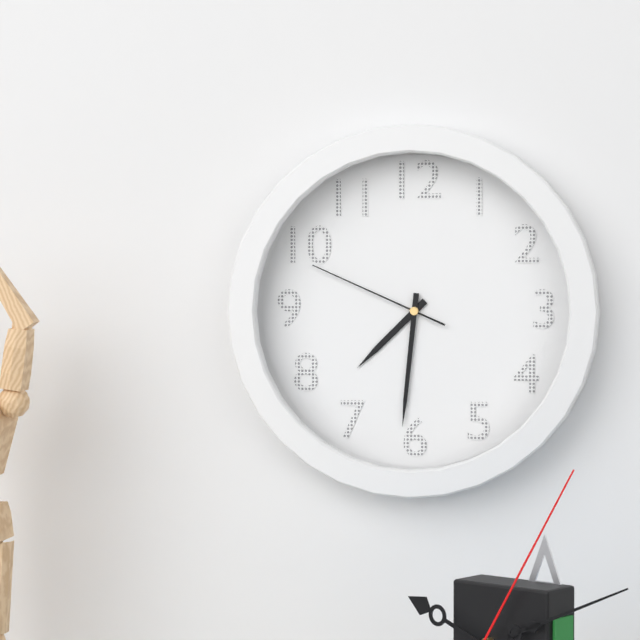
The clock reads 7.31.49
